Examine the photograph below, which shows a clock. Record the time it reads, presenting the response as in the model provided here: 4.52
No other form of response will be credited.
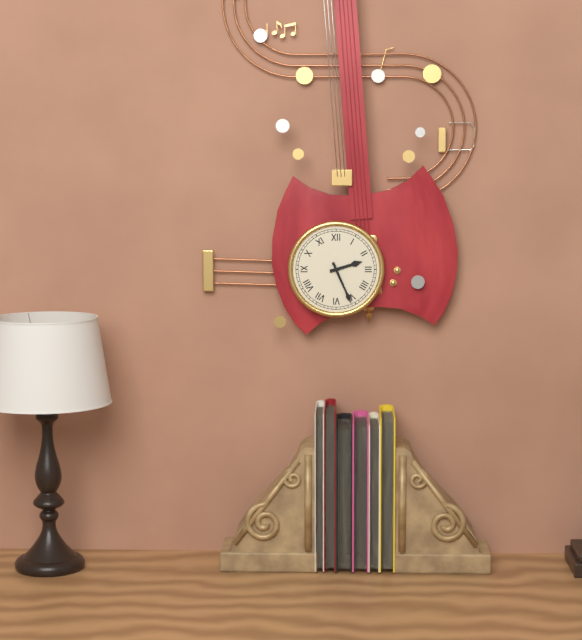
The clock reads 2.26
